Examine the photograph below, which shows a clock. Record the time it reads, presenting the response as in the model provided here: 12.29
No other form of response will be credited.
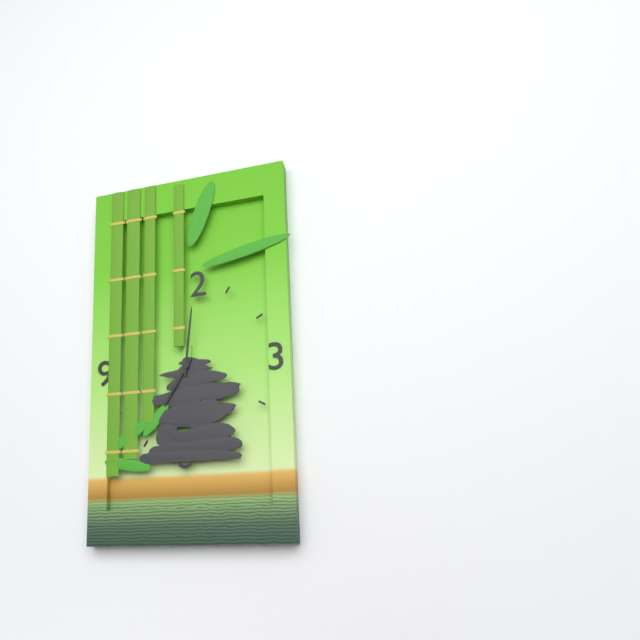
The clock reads 7.01
